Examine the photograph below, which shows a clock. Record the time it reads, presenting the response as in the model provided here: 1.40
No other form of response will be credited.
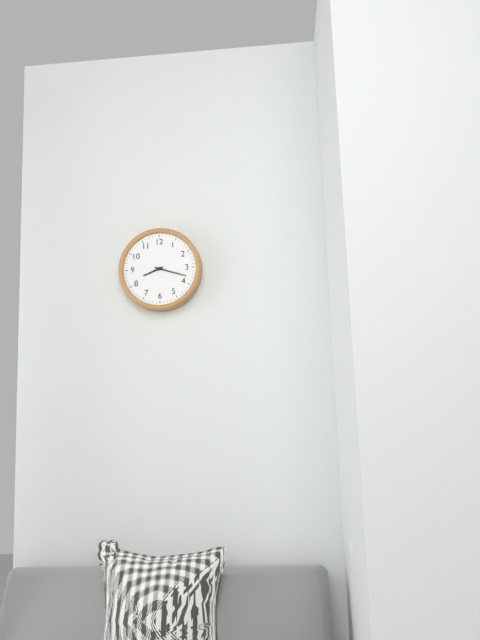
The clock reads 8.18
